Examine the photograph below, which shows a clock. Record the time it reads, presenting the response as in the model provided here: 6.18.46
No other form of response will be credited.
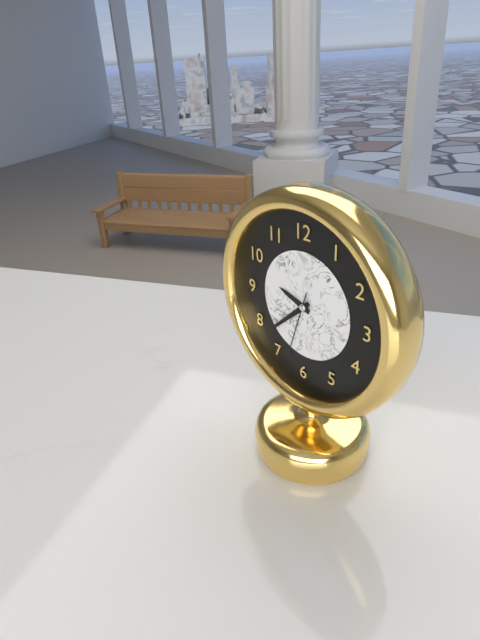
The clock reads 9.38.33
